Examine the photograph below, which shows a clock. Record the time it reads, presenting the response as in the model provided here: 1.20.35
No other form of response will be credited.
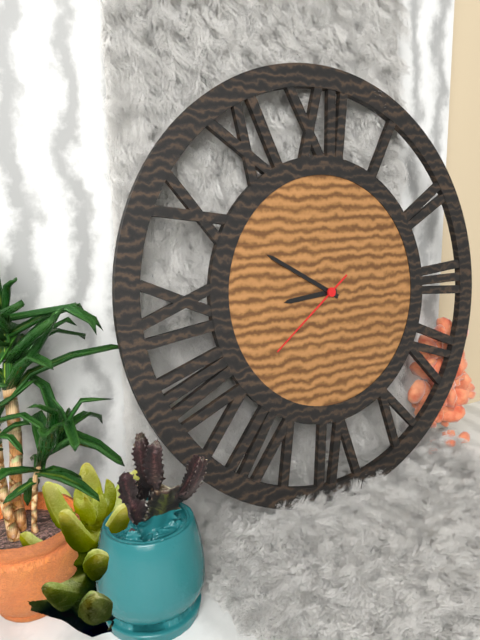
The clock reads 8.50.39
